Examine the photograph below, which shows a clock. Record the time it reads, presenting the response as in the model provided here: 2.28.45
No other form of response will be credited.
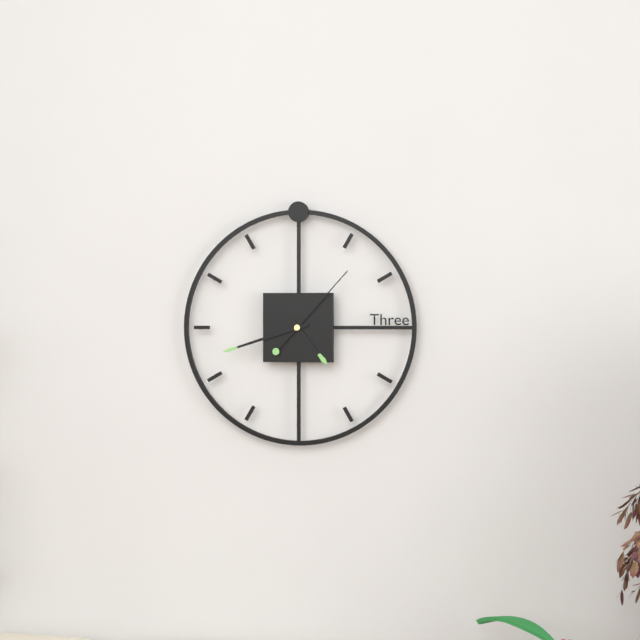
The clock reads 4.42.07
